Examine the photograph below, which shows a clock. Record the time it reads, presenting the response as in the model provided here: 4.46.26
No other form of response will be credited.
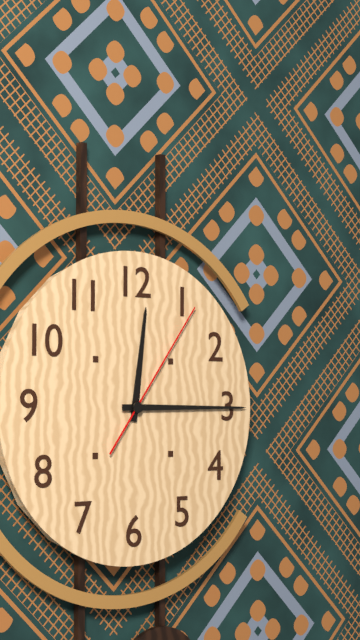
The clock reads 12.15.06
